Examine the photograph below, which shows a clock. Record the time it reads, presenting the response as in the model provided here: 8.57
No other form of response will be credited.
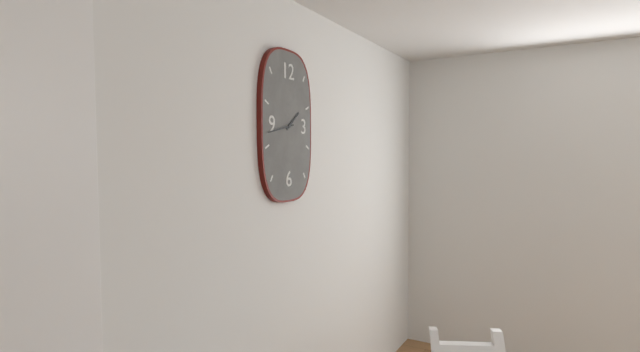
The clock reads 1.43
